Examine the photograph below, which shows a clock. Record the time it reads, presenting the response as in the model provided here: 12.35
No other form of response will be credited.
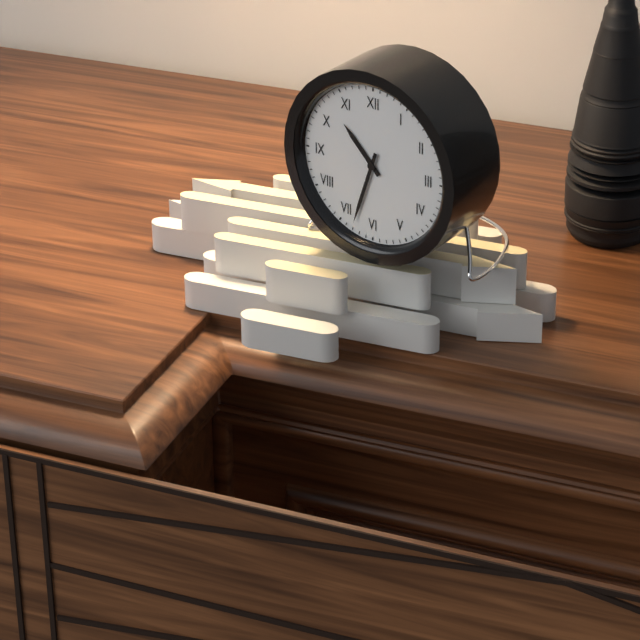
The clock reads 10.33
